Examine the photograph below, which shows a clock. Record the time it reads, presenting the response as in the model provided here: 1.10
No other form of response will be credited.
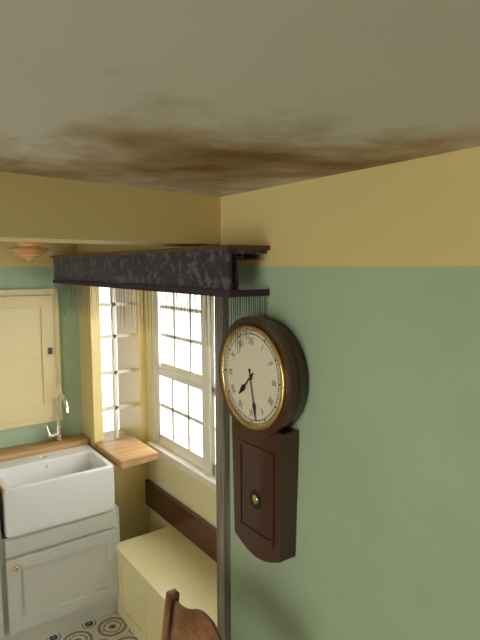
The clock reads 7.28
